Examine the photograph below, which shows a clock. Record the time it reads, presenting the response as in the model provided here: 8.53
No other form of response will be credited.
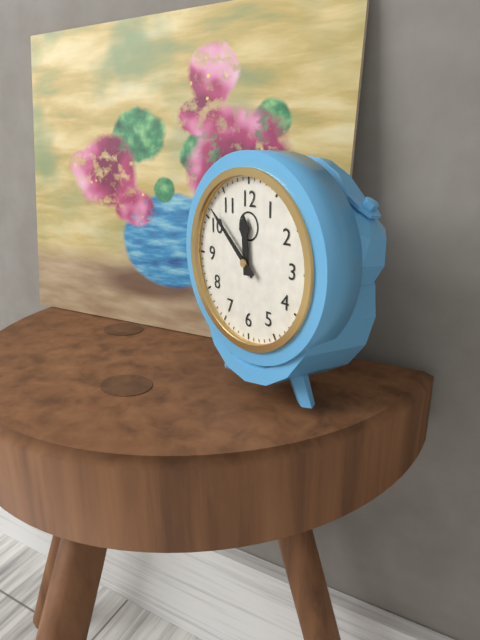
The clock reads 11.52
